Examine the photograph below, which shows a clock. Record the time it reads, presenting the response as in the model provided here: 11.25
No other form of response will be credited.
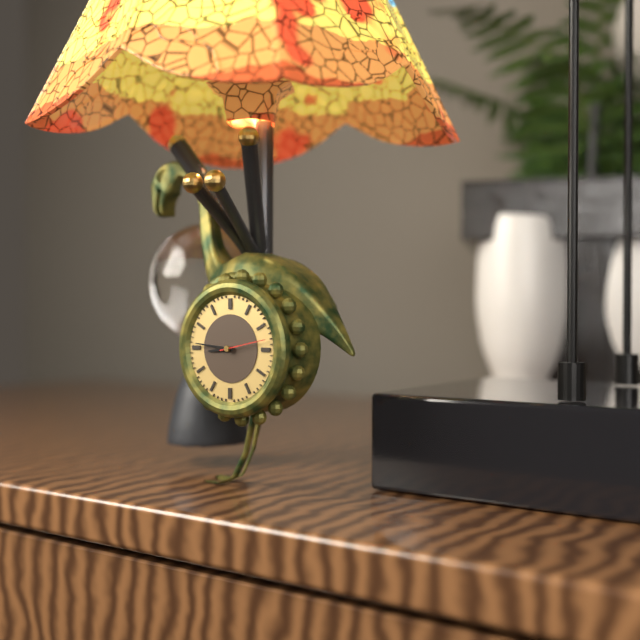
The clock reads 8.46
